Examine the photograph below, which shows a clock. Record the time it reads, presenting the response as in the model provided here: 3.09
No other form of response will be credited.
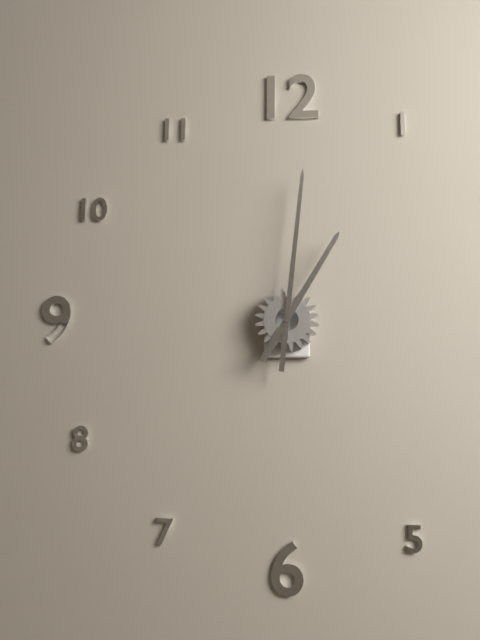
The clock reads 1.01
